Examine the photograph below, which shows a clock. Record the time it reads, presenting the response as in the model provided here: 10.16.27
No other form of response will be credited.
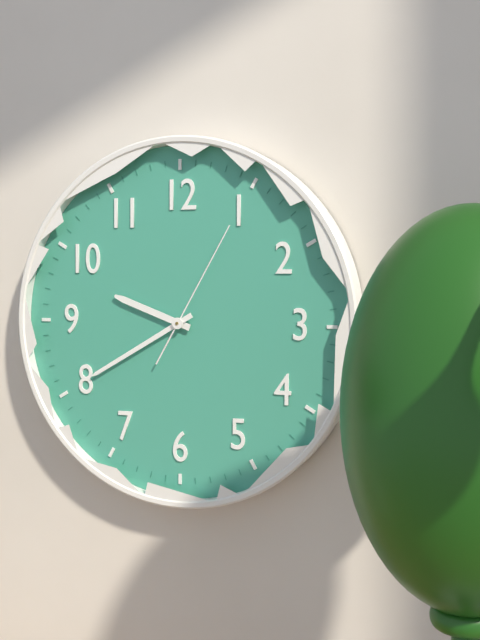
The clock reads 9.40.05
